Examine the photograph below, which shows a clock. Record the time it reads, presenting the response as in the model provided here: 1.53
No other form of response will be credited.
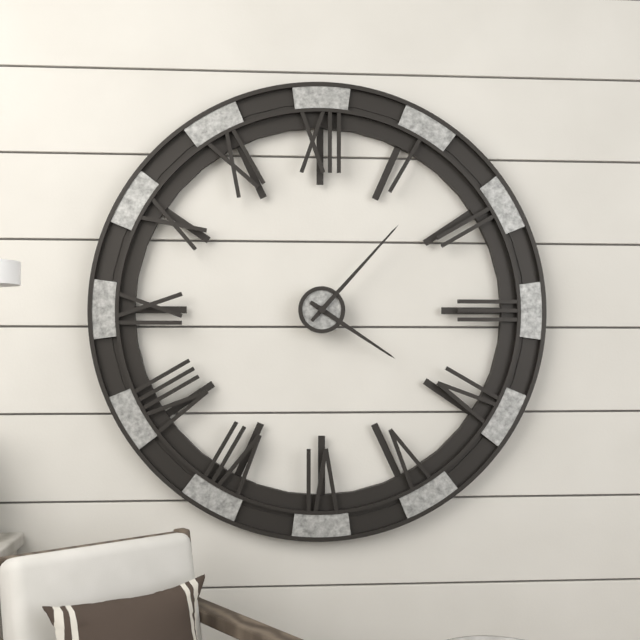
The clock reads 4.07
